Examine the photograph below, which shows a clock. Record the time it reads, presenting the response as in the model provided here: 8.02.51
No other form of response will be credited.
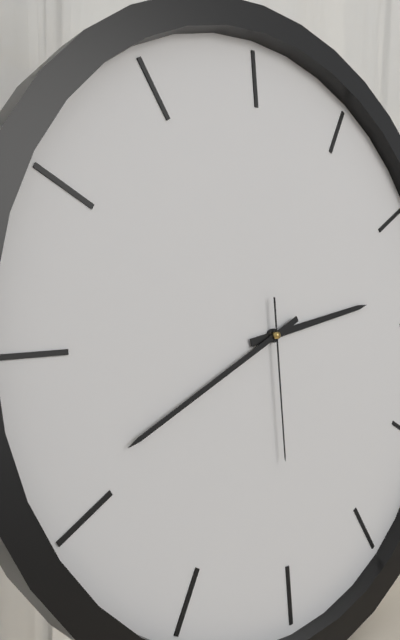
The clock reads 2.41.30
